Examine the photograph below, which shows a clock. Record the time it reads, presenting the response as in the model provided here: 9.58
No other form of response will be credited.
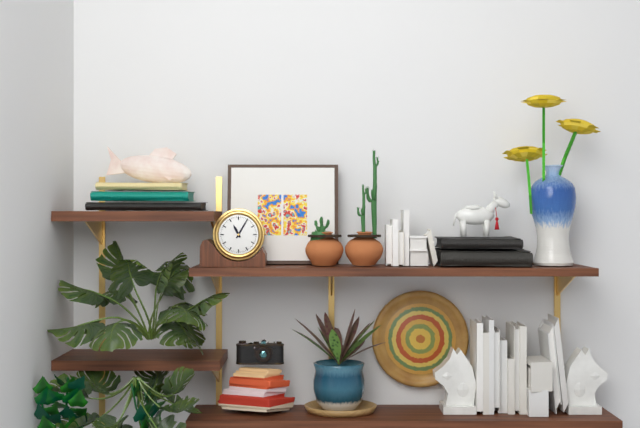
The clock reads 11.05
